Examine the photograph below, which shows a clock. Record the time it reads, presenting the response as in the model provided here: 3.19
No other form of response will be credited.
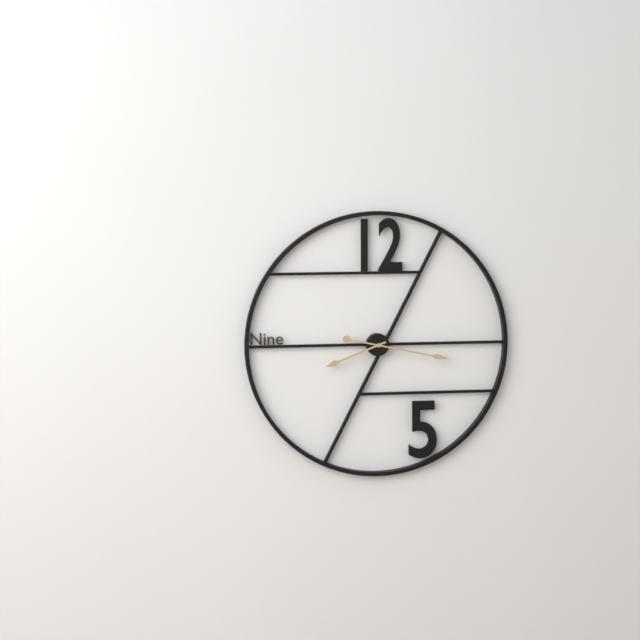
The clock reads 8.17
